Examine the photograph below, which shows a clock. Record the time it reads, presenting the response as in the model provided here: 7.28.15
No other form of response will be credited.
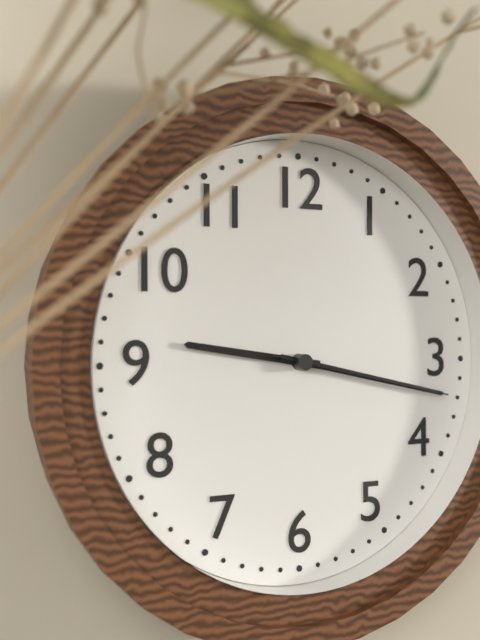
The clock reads 9.17.17
